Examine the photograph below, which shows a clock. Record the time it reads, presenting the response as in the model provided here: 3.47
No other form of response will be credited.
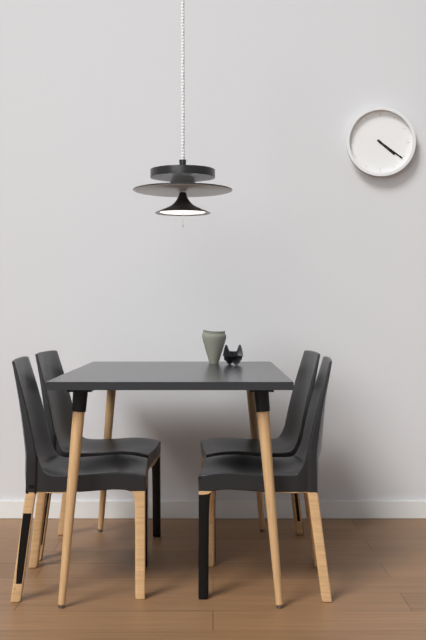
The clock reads 4.21
